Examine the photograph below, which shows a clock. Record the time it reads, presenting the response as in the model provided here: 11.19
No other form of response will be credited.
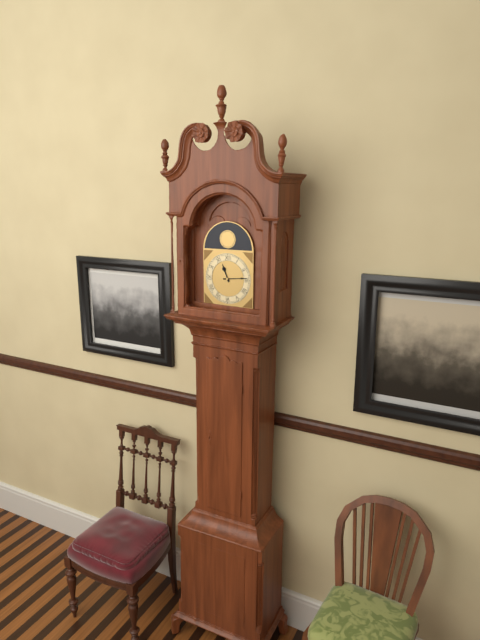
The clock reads 11.14
